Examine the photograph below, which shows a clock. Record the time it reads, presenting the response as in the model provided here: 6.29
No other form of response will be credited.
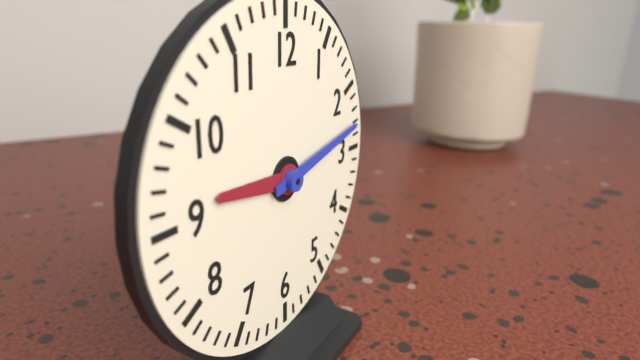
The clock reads 9.13
